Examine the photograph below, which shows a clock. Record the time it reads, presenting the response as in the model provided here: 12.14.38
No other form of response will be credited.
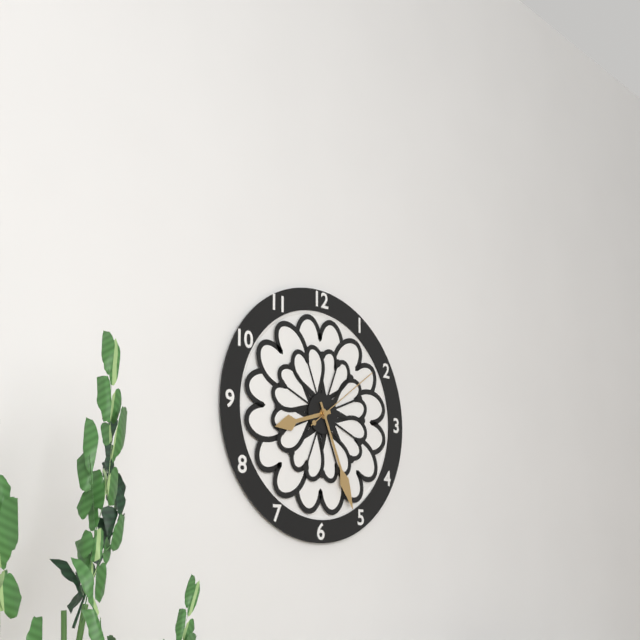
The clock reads 8.26.09
